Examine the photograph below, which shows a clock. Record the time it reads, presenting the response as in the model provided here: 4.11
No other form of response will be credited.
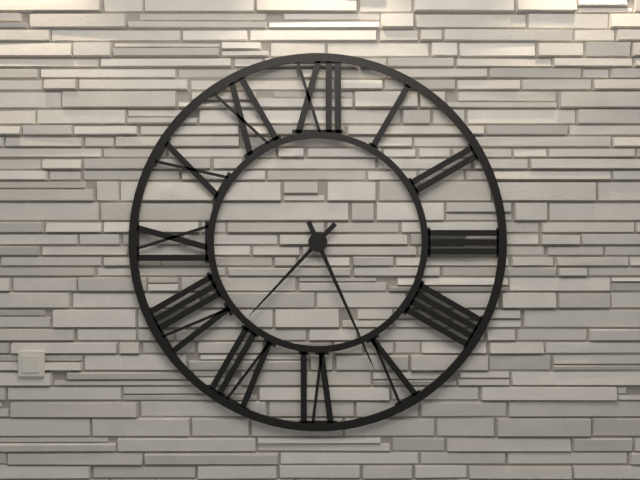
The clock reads 7.26
